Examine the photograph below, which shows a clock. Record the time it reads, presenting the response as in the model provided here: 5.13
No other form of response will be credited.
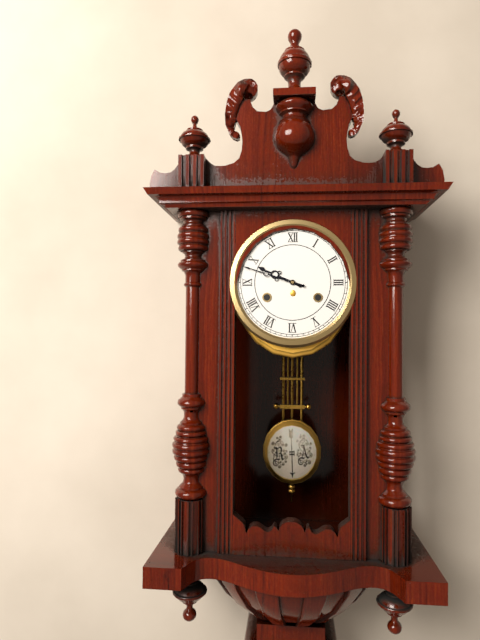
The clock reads 9.48
